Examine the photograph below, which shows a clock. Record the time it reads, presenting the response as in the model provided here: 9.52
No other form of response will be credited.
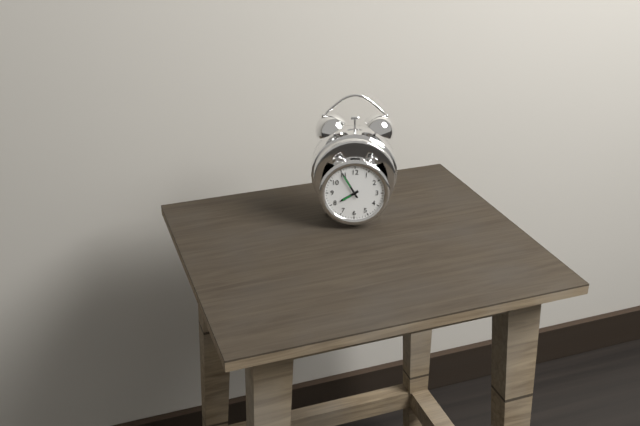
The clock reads 7.55
